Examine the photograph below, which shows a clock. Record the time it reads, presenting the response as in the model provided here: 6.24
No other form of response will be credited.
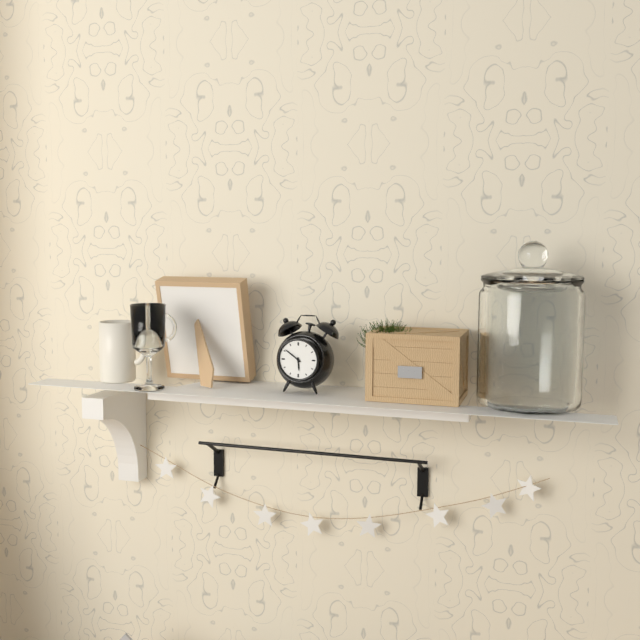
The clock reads 5.51
